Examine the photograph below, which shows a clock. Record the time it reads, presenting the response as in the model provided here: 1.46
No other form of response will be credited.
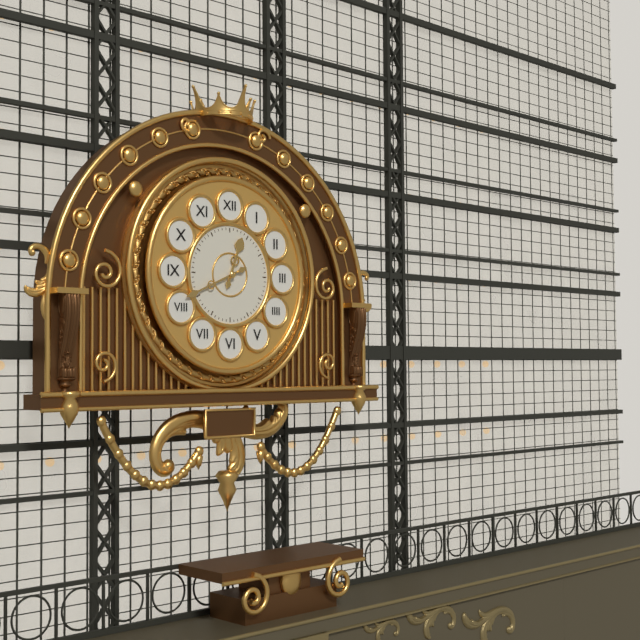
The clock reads 12.41
